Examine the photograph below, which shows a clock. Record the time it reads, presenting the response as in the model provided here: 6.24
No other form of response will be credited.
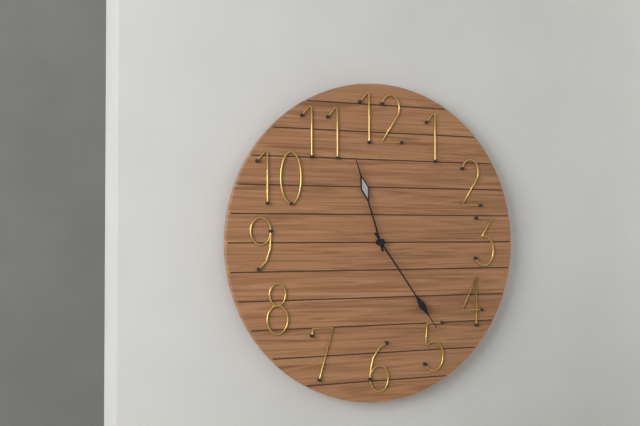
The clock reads 11.24
